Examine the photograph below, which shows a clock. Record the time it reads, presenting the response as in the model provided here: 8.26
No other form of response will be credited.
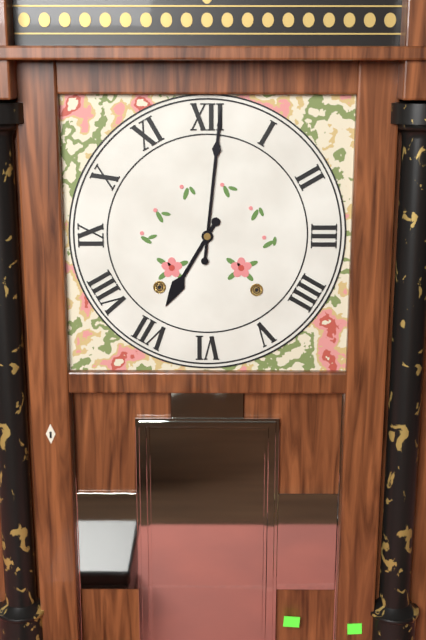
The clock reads 7.01
